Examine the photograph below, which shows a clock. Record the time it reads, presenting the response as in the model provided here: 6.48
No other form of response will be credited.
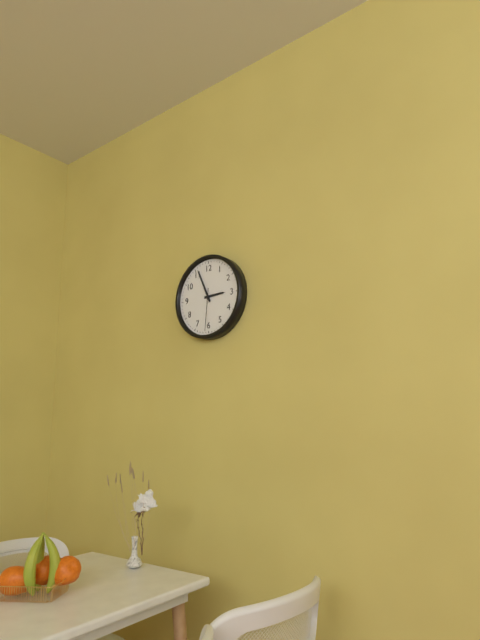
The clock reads 2.56
